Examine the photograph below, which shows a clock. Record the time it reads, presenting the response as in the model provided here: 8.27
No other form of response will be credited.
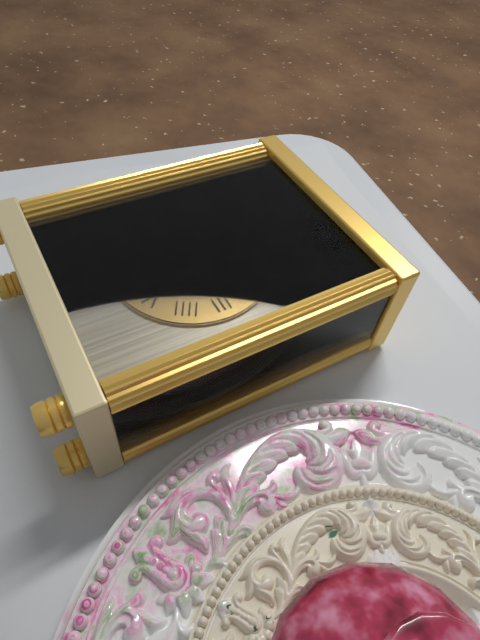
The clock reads 11.54
